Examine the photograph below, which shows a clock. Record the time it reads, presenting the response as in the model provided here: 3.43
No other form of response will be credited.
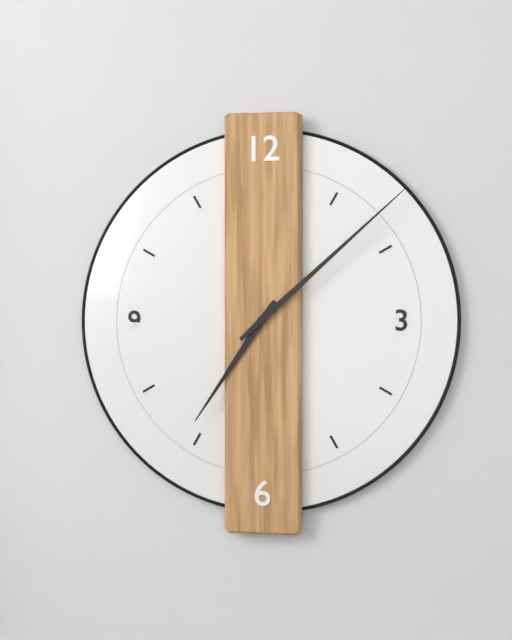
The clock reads 7.08
